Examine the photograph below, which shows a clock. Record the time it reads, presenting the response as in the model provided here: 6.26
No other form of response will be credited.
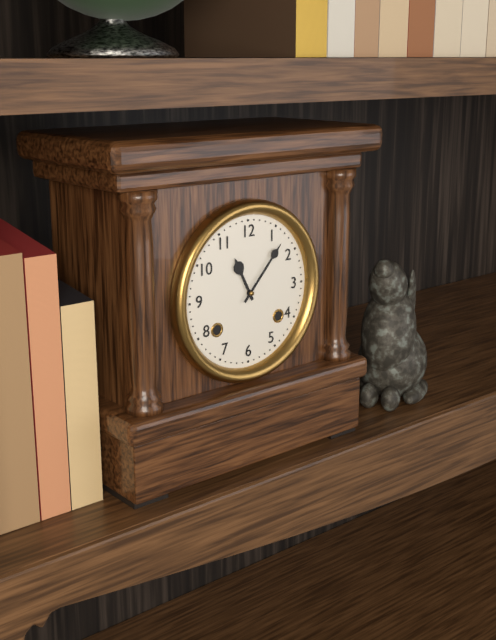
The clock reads 11.07
